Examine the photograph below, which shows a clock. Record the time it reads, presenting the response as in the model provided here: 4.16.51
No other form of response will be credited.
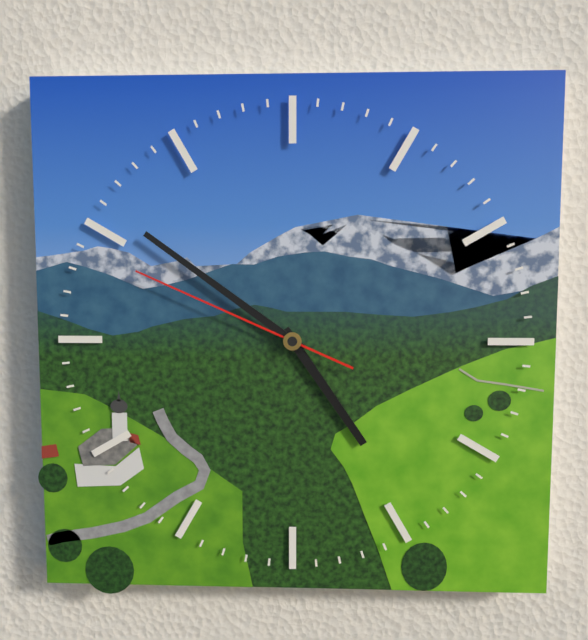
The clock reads 4.51.49
